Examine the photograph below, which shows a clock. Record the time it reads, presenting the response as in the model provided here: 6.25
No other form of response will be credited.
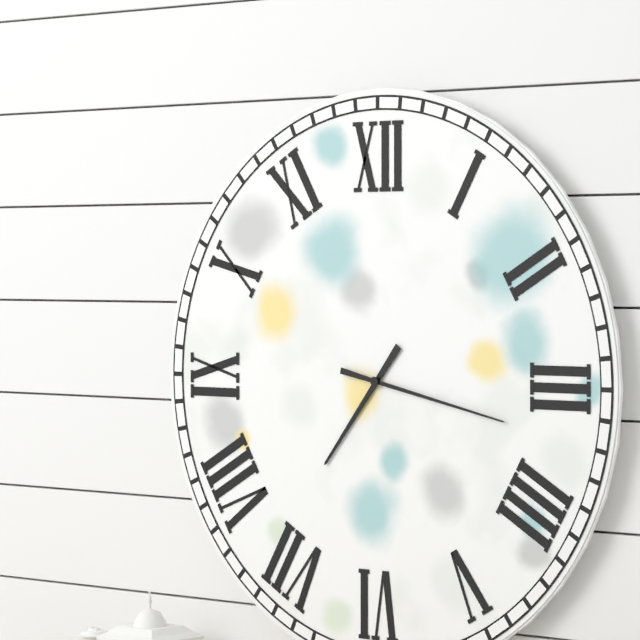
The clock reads 7.17
